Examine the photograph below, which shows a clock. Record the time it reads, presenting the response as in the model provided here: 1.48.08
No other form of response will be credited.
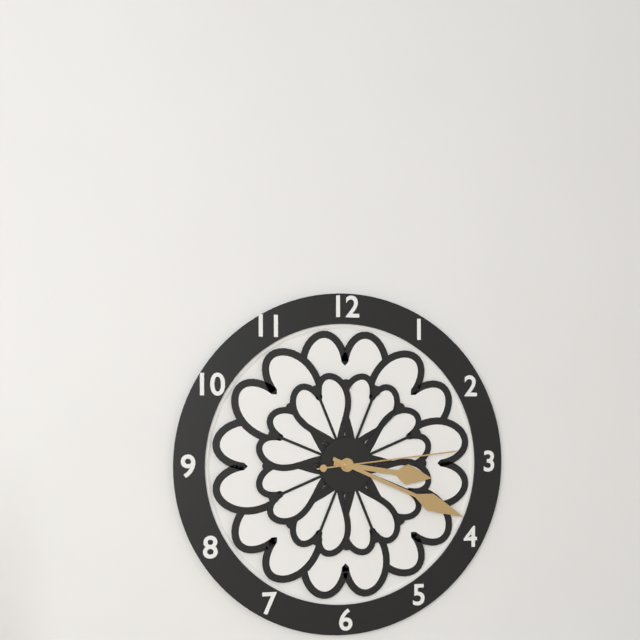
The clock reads 3.19.14
